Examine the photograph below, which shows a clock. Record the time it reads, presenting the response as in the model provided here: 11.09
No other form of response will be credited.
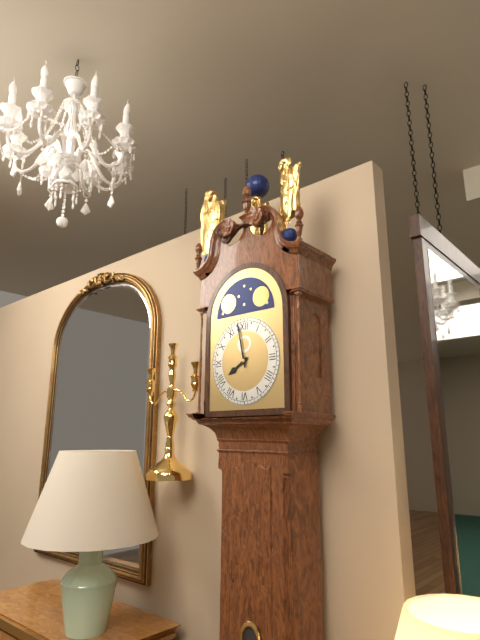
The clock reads 7.58
